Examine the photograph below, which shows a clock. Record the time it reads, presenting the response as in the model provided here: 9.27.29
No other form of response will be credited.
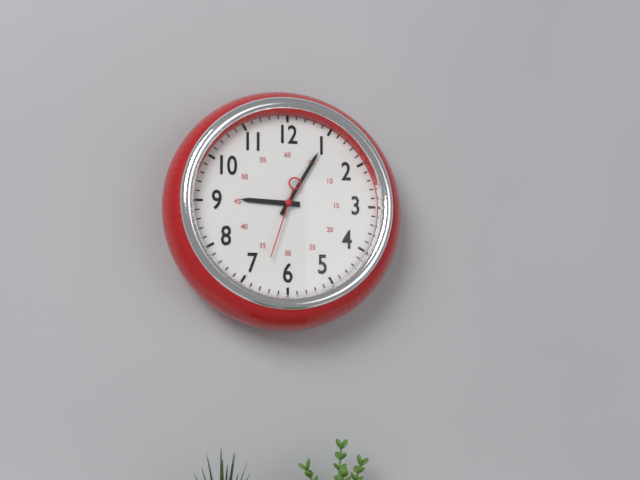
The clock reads 9.05.33
